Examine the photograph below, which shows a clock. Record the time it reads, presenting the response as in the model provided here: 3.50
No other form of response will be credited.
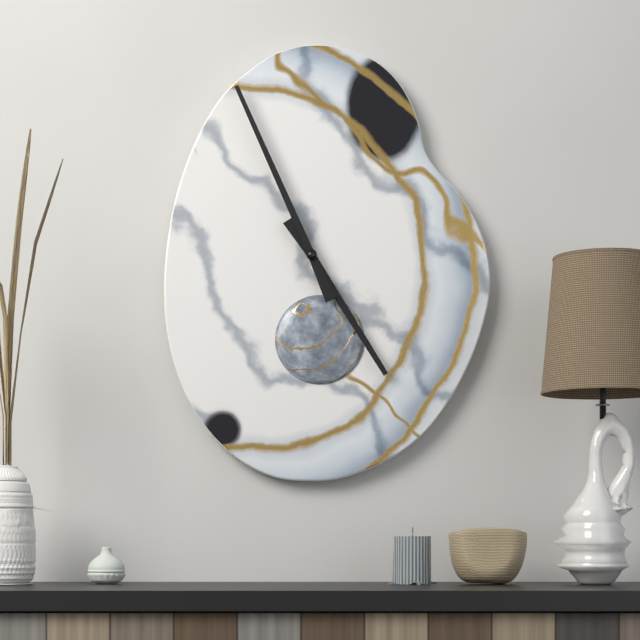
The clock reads 4.56
